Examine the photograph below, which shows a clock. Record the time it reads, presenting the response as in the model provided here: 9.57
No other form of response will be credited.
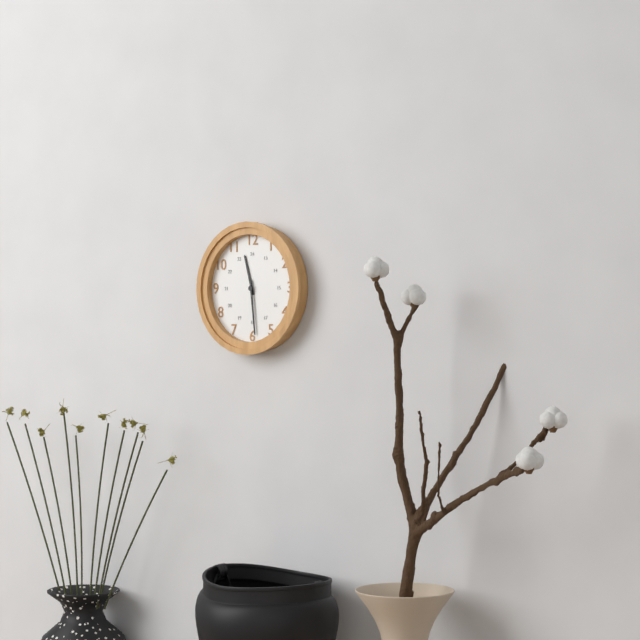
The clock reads 11.29
